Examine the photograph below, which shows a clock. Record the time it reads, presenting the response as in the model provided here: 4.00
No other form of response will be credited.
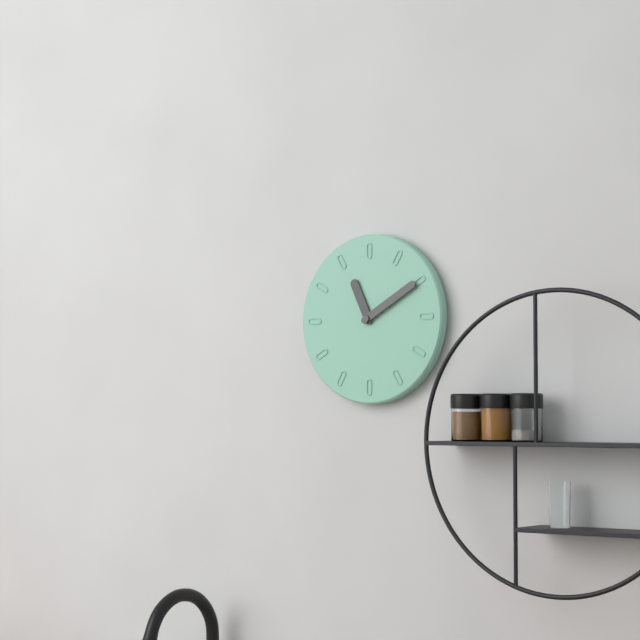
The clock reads 11.10
